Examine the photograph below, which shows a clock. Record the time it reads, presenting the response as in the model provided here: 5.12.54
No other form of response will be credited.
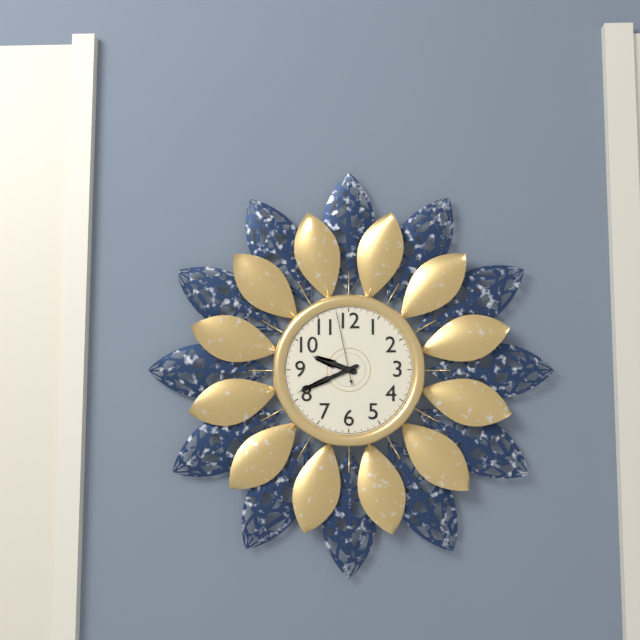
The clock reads 9.41.58
